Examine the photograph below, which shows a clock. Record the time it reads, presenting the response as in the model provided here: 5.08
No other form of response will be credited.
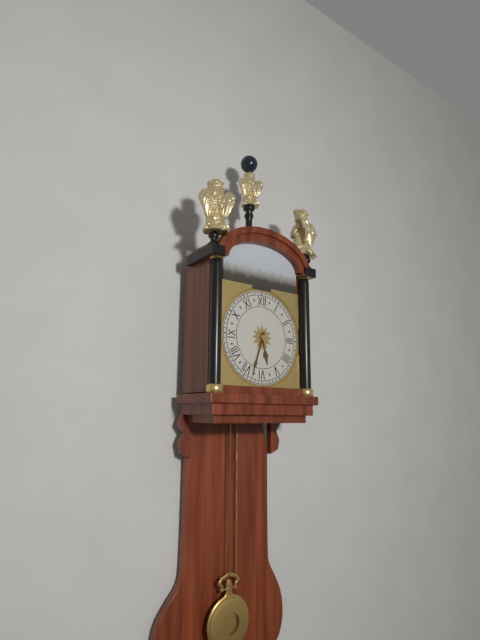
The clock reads 5.33
